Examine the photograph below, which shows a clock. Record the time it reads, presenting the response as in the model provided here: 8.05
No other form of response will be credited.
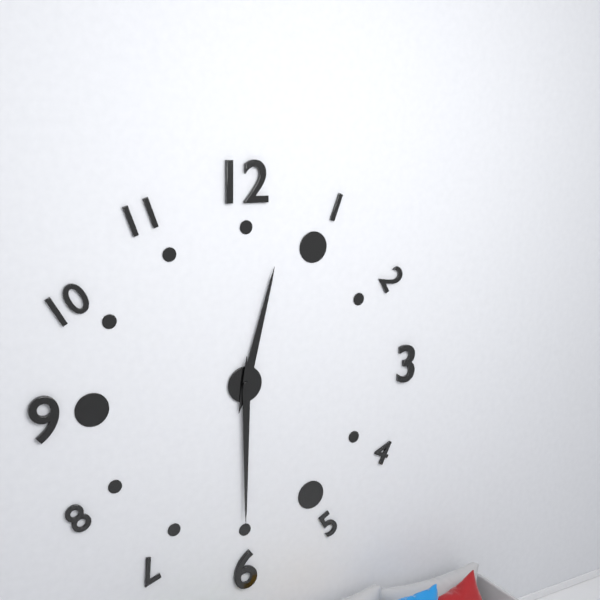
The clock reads 12.30
